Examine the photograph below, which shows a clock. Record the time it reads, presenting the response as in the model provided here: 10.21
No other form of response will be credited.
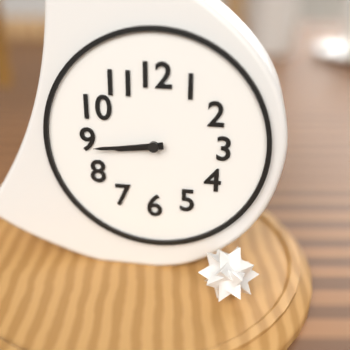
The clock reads 8.44
